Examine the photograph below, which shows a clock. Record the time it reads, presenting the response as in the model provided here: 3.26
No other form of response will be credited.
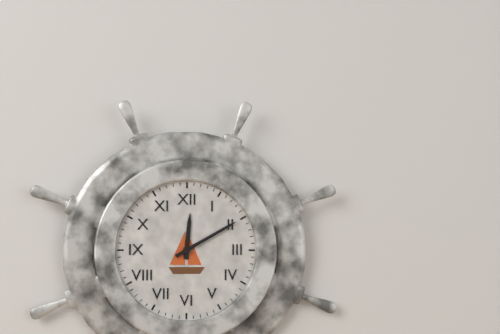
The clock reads 12.10
